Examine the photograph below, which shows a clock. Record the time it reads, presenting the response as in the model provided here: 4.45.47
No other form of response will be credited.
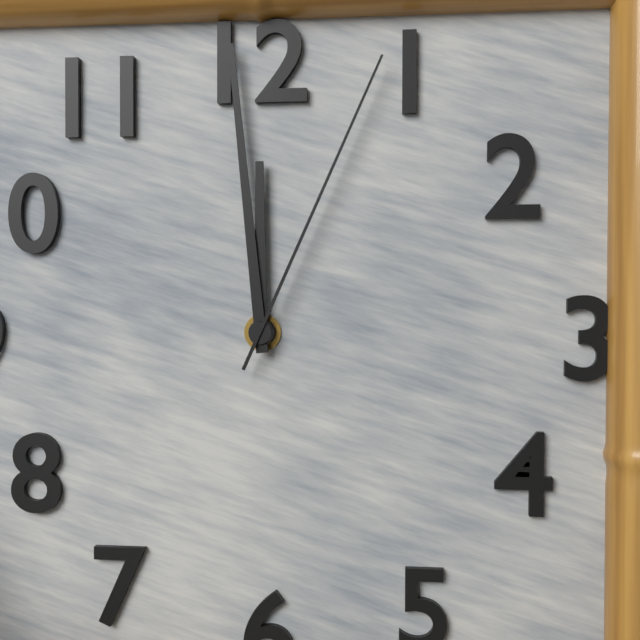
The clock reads 11.59.04
